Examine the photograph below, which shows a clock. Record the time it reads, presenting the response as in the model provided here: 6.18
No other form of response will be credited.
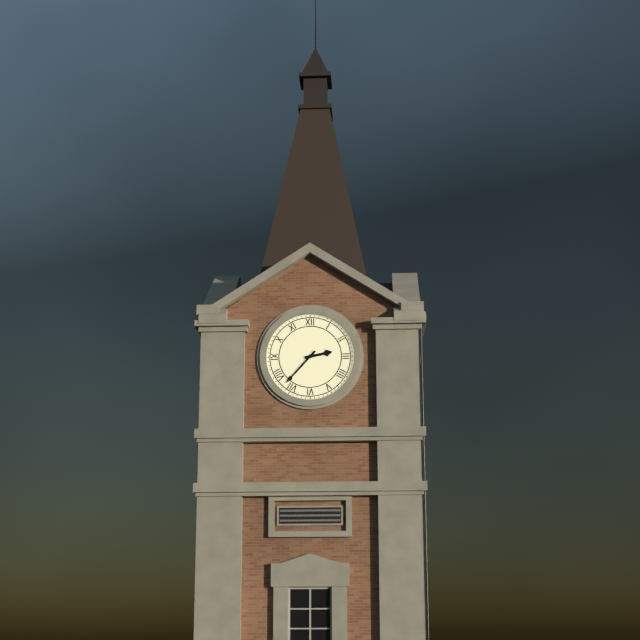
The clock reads 2.37
